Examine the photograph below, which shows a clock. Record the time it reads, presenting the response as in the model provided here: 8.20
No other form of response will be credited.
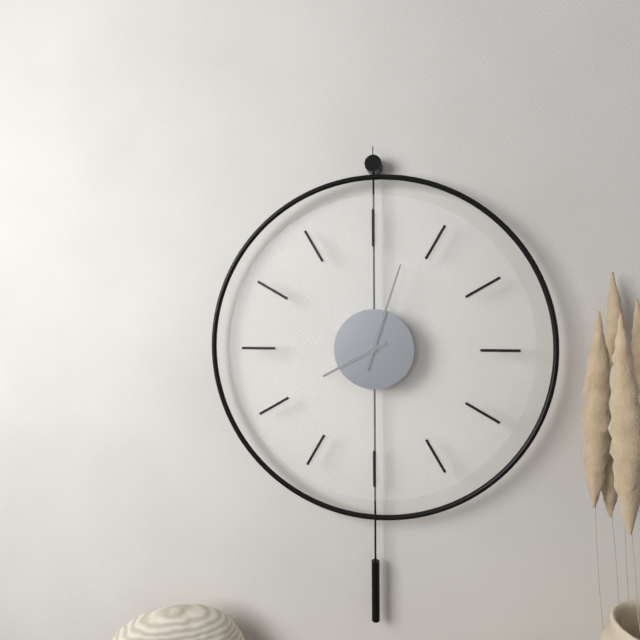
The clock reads 8.03
